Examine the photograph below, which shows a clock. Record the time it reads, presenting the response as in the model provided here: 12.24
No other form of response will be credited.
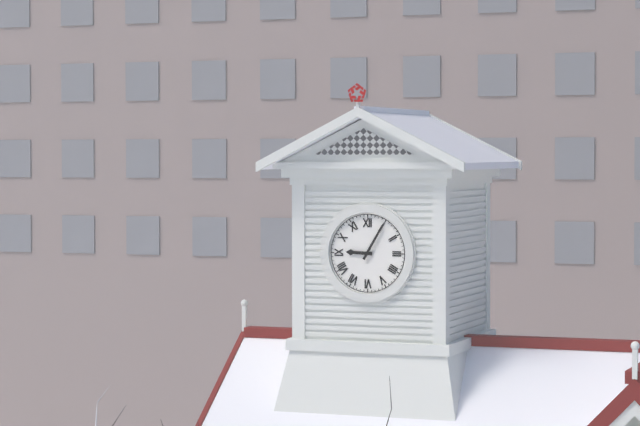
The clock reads 9.05
